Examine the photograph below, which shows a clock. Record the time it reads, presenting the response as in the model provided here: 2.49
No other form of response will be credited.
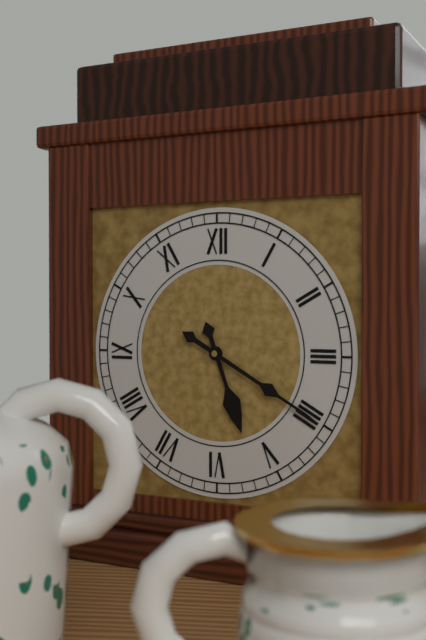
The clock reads 5.20
